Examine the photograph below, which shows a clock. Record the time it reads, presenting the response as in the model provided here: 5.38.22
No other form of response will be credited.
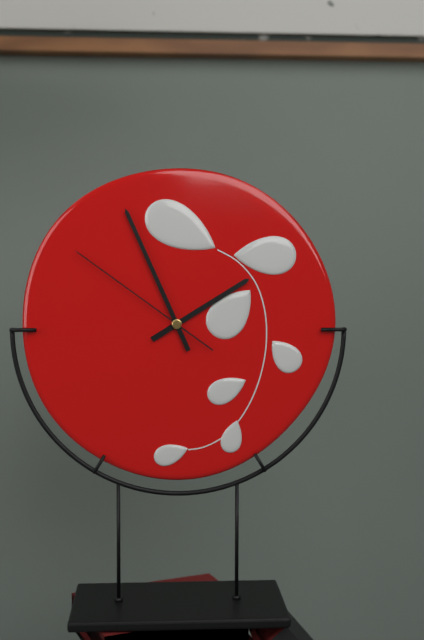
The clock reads 1.56.51
